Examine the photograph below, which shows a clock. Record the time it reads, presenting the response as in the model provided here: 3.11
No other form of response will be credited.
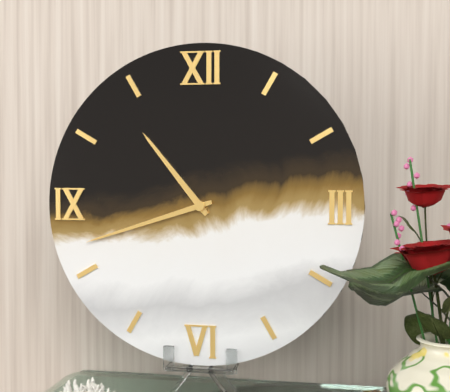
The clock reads 10.42
